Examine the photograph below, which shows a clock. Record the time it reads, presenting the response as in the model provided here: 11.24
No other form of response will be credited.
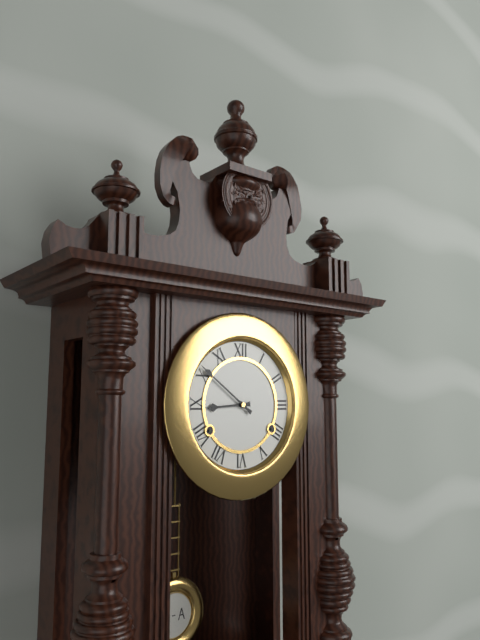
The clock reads 8.51
